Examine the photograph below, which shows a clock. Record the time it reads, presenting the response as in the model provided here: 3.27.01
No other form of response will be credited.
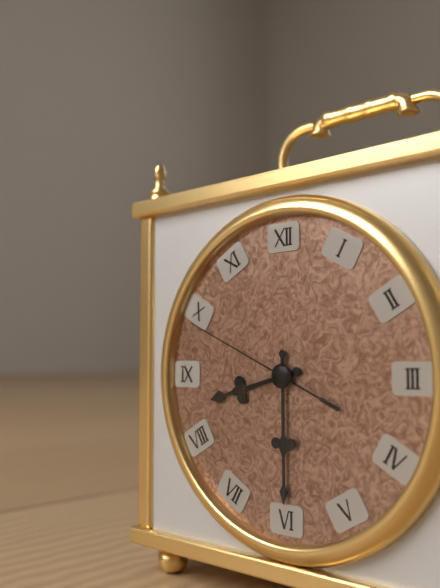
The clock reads 8.30.49
